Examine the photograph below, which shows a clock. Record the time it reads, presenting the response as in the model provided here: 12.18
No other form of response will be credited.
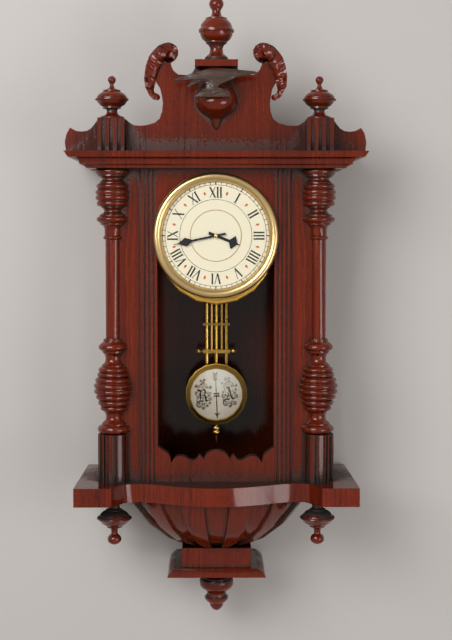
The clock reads 3.43
